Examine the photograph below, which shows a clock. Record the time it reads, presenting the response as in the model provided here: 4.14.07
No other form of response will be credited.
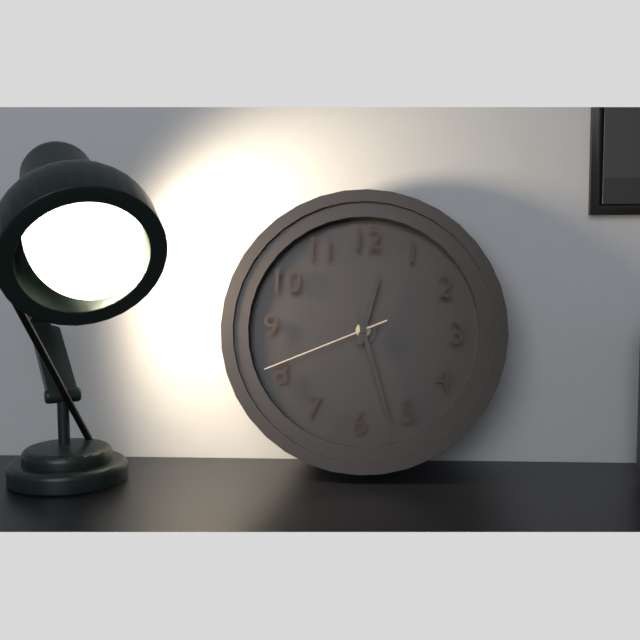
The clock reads 12.27.41
